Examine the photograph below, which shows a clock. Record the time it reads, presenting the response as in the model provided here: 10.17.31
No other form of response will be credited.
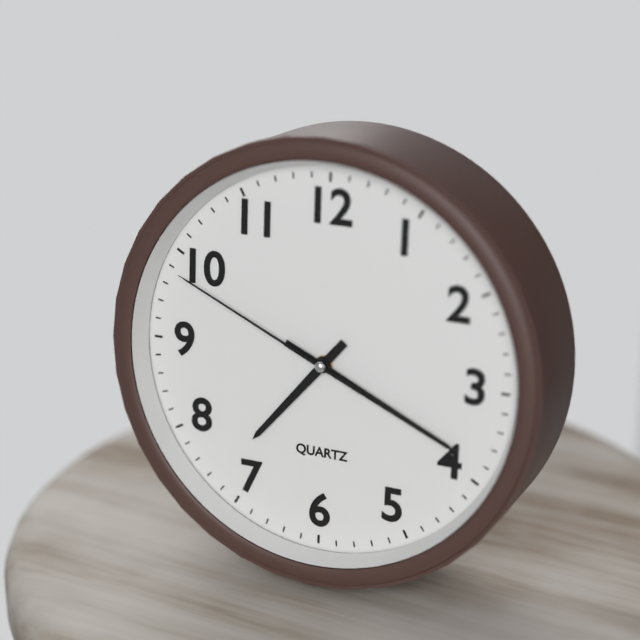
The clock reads 7.19.49
